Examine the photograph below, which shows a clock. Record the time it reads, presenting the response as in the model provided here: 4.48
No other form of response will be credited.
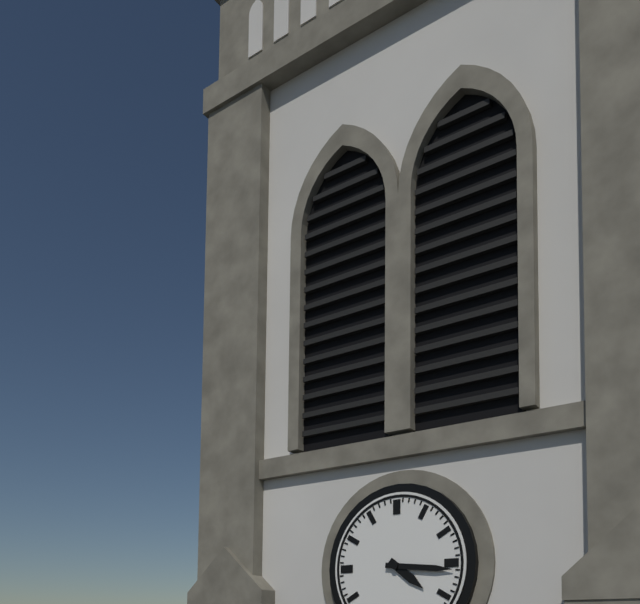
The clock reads 4.16
